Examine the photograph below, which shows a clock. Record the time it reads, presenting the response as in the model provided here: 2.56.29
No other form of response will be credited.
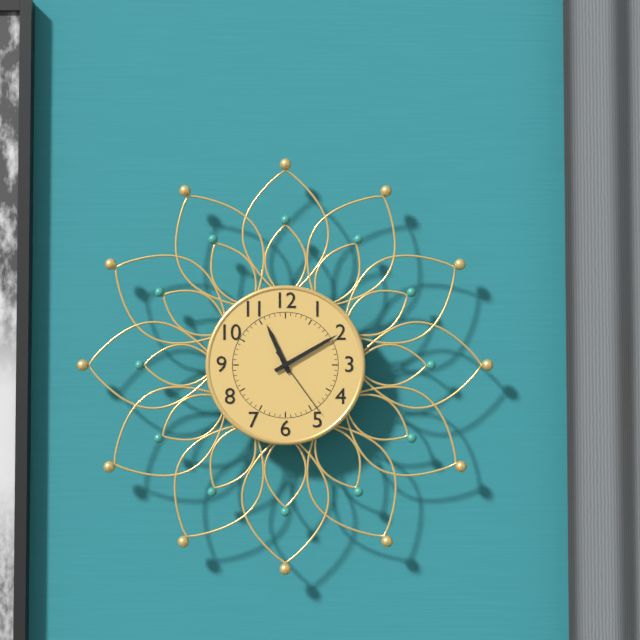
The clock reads 11.10.24
